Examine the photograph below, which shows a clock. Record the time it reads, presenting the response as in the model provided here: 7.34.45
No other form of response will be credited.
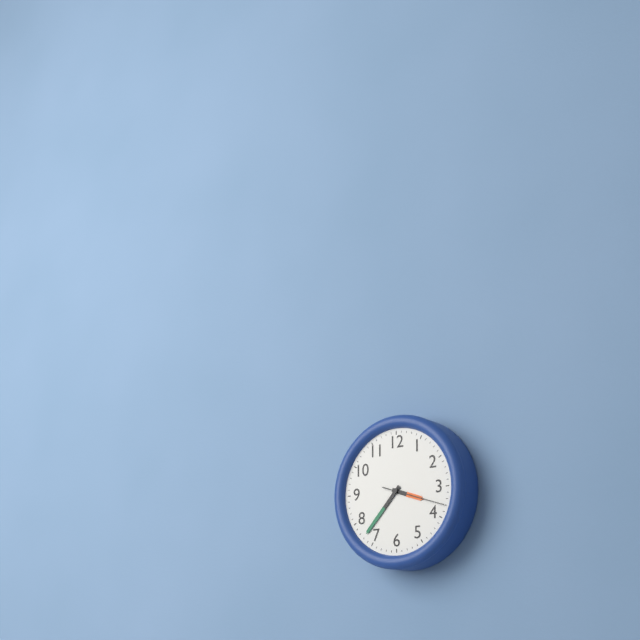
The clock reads 3.37.18
